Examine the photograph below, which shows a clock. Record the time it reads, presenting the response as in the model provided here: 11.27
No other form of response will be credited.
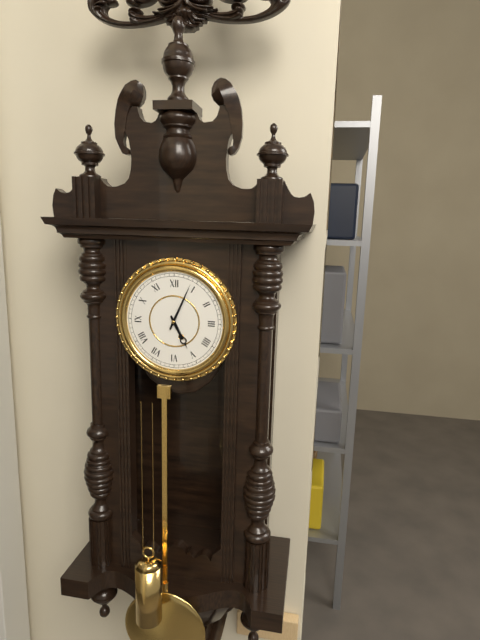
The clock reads 5.04
